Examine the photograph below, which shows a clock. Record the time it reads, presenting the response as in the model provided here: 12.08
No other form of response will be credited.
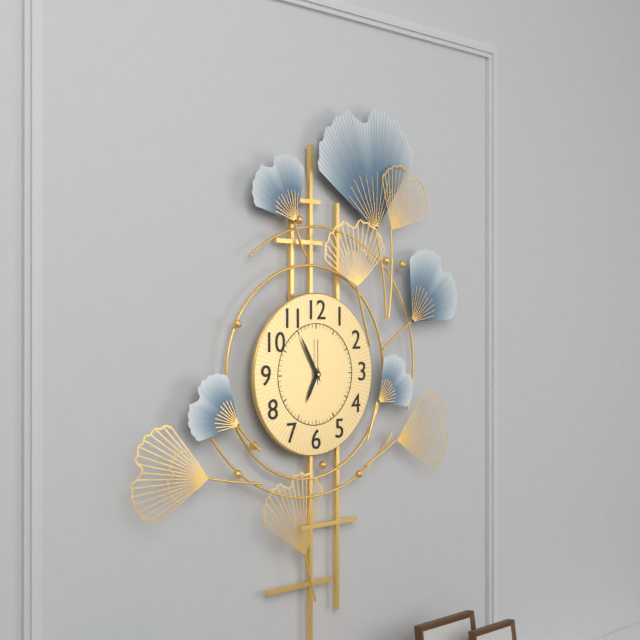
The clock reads 6.55
